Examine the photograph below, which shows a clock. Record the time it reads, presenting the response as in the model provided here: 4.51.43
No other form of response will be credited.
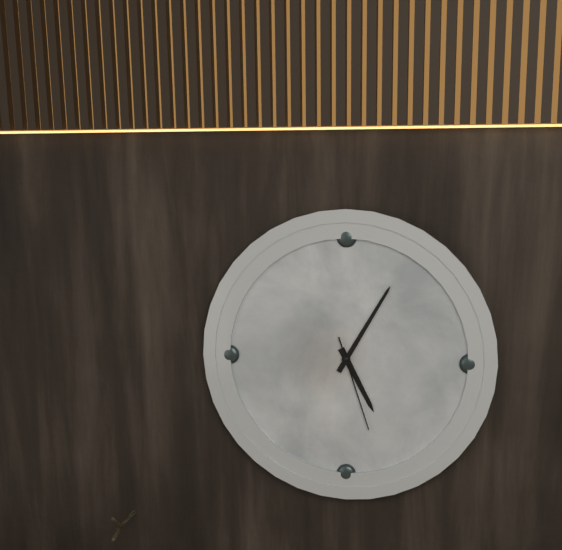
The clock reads 5.05.27
